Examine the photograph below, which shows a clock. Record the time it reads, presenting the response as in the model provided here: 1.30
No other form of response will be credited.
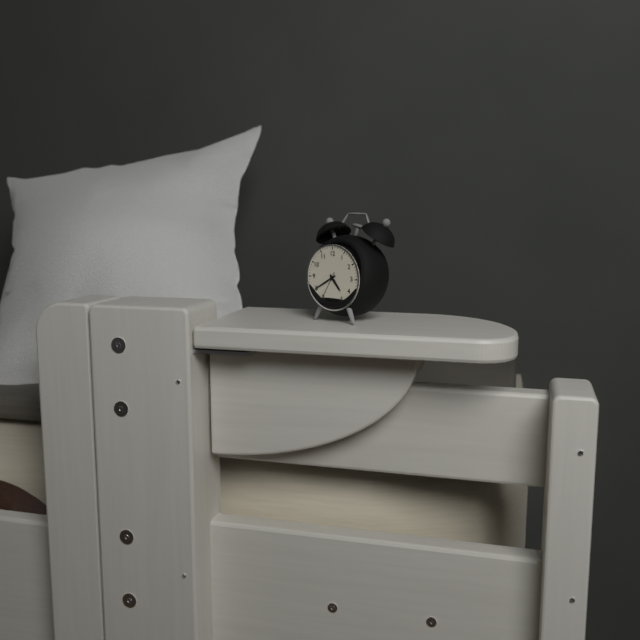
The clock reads 4.40
